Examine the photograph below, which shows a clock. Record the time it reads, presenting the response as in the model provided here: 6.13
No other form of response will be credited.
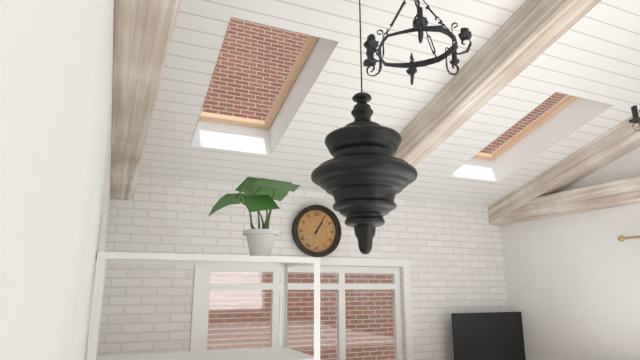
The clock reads 1.05
